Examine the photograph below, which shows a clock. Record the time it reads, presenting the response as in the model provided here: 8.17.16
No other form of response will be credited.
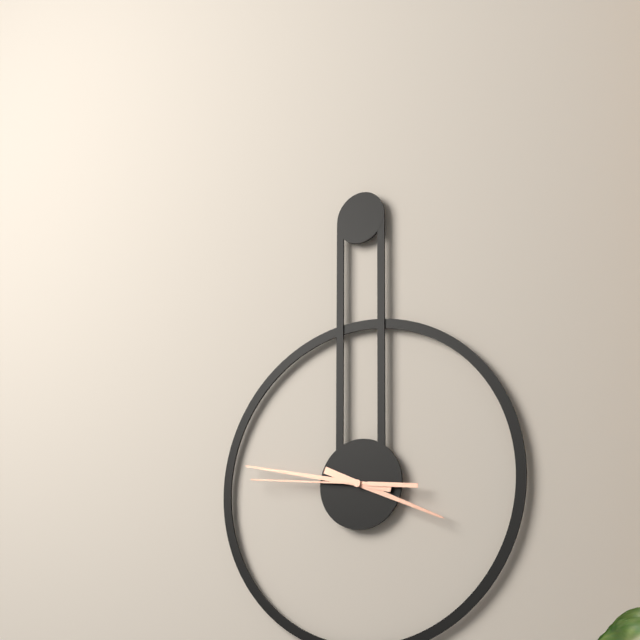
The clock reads 3.47.46
